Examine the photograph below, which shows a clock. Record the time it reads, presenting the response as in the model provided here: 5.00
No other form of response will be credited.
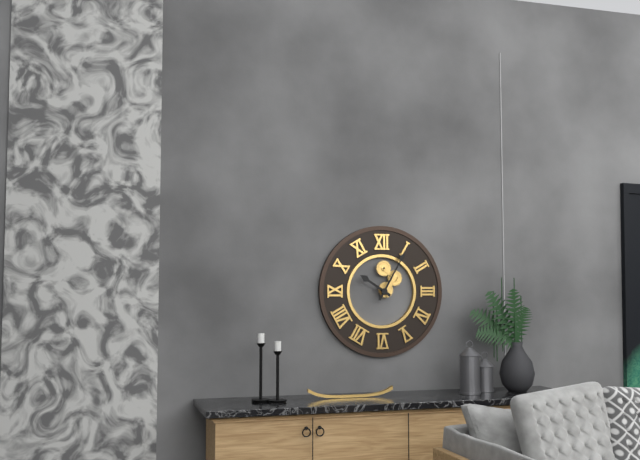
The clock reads 10.05
